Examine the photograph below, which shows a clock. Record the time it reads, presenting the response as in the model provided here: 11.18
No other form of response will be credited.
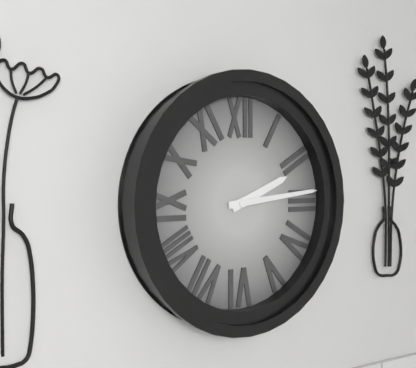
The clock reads 2.14
